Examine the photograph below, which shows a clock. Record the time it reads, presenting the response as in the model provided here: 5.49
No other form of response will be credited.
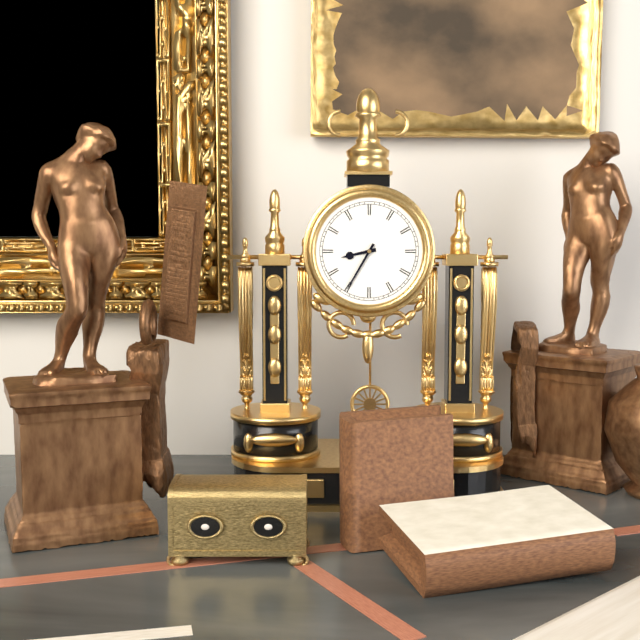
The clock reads 8.35
